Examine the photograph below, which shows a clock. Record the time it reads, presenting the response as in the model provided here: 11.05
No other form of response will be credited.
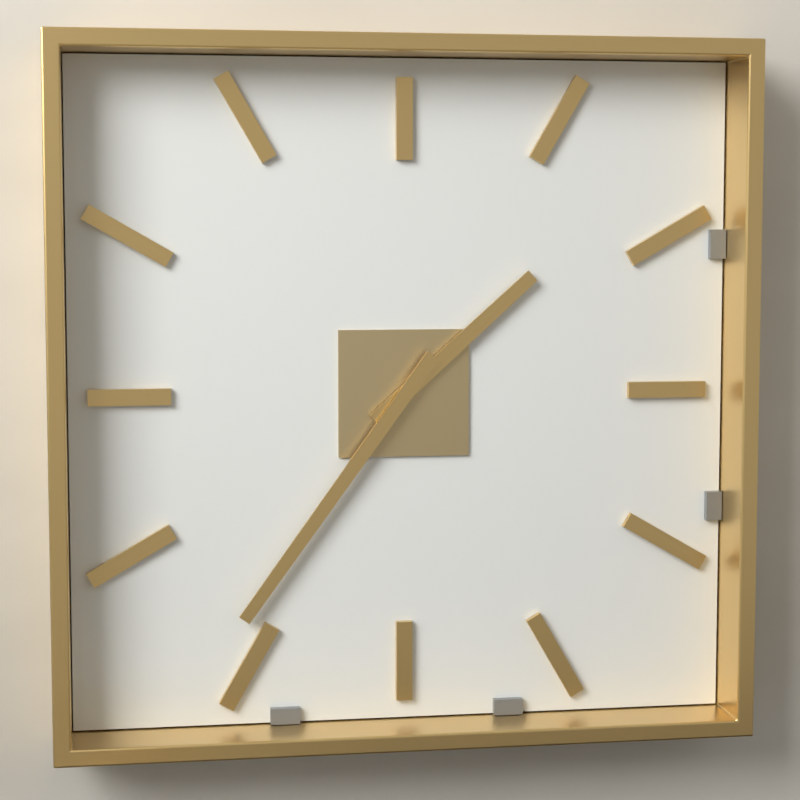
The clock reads 1.36
